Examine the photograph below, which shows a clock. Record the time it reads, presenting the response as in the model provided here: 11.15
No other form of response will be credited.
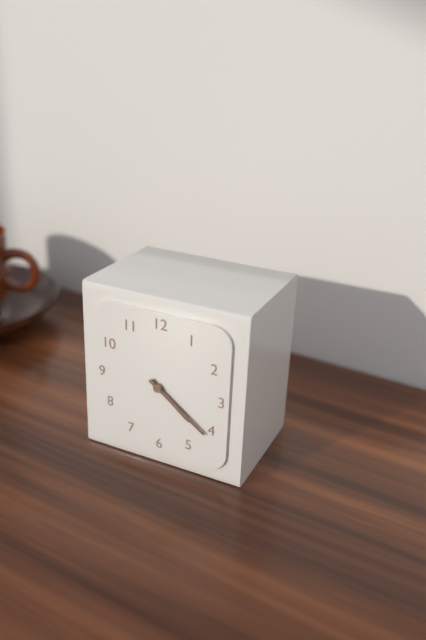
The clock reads 4.21
